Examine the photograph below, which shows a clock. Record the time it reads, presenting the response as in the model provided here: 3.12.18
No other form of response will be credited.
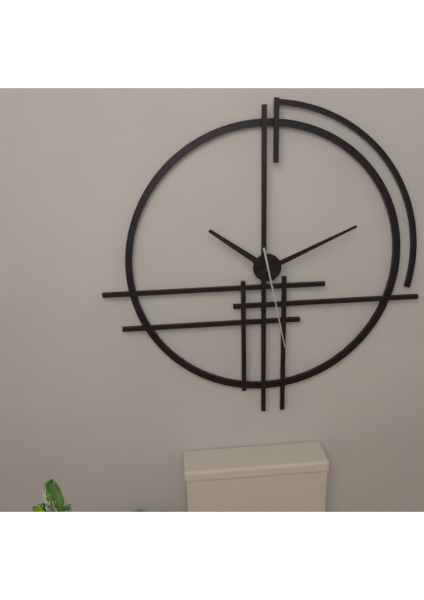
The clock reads 10.11.28
